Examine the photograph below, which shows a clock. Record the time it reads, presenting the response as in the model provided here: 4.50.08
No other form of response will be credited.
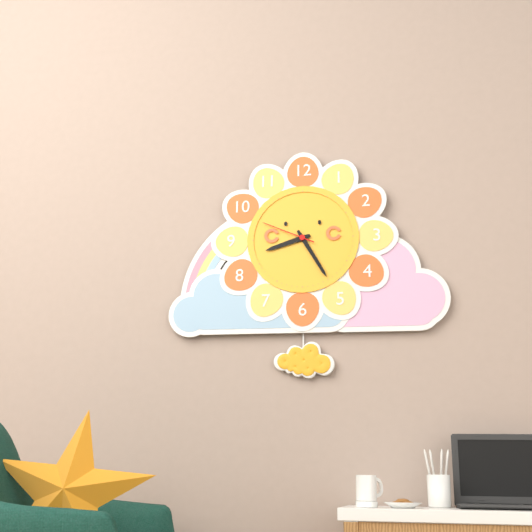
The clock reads 8.25.49
